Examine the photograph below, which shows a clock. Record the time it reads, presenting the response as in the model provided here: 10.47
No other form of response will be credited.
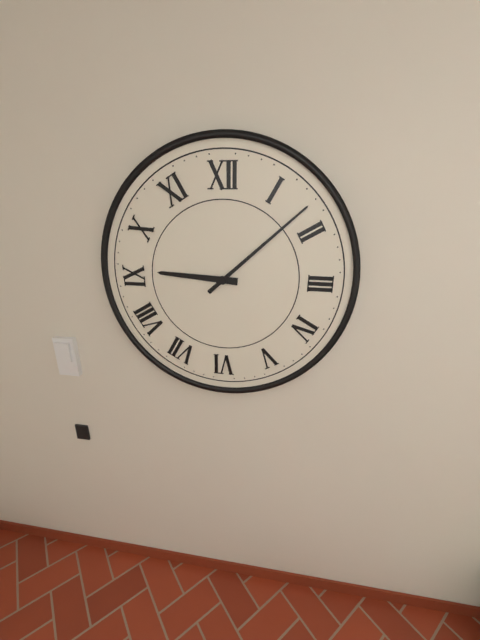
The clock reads 9.08
